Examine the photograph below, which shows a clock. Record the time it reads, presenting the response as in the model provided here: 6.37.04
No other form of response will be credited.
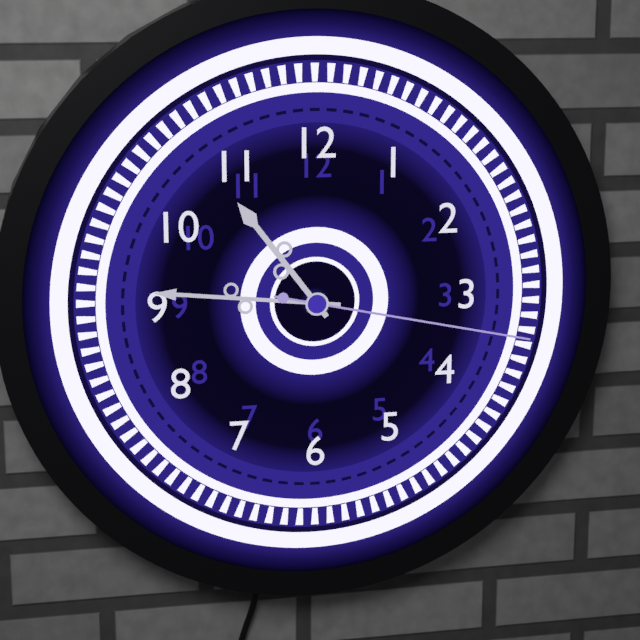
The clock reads 10.46.17
